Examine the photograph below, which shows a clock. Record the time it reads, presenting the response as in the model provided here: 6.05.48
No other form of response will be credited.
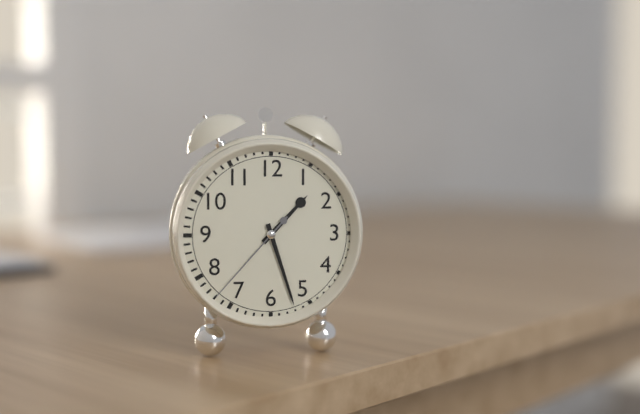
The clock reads 1.27.37
